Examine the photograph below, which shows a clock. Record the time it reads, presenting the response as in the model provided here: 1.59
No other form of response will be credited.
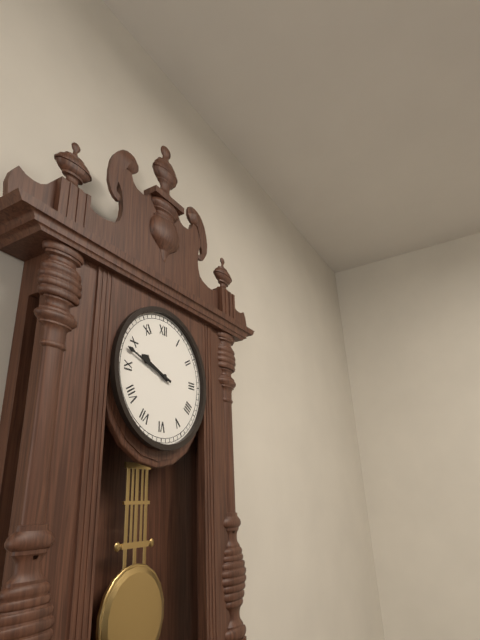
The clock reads 9.48
